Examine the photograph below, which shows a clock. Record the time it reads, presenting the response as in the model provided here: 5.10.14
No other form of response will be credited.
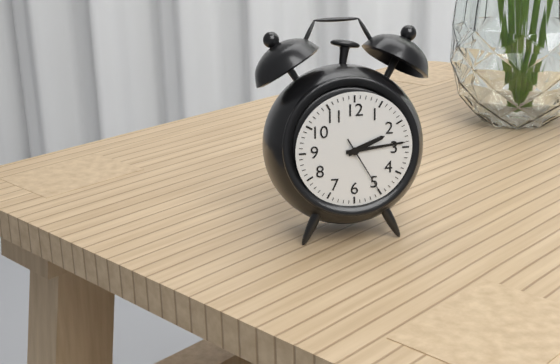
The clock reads 2.14.25
